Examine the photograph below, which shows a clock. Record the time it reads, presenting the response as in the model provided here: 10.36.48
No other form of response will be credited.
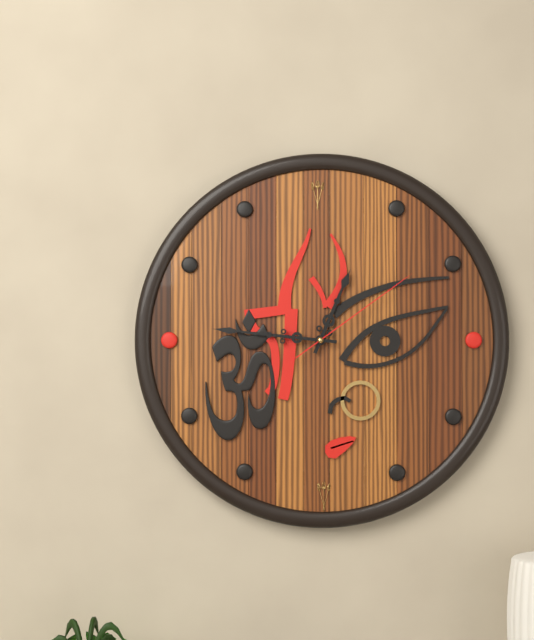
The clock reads 12.46.09
